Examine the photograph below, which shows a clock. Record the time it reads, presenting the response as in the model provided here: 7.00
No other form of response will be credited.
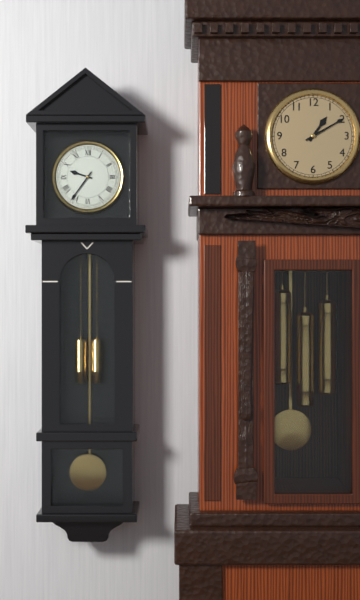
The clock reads 9.36
